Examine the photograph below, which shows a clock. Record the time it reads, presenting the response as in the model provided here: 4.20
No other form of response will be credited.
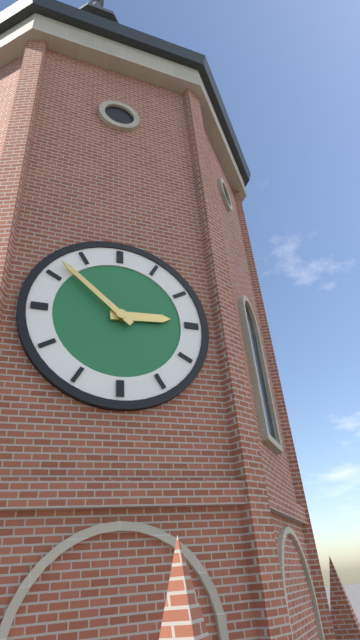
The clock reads 2.52
